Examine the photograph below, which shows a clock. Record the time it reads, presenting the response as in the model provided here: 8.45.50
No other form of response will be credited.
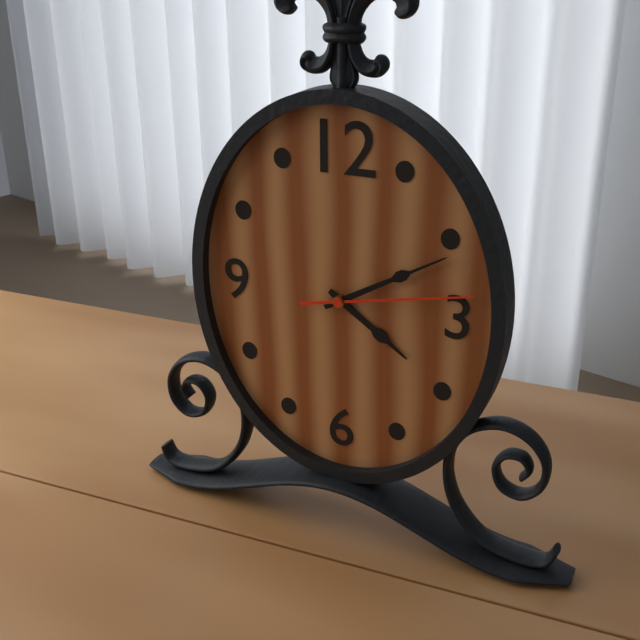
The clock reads 4.10.13
